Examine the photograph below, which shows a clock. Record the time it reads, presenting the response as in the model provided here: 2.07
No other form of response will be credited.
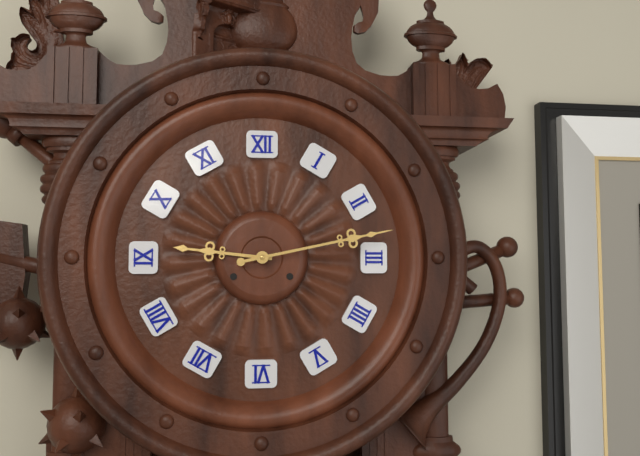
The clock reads 9.13
